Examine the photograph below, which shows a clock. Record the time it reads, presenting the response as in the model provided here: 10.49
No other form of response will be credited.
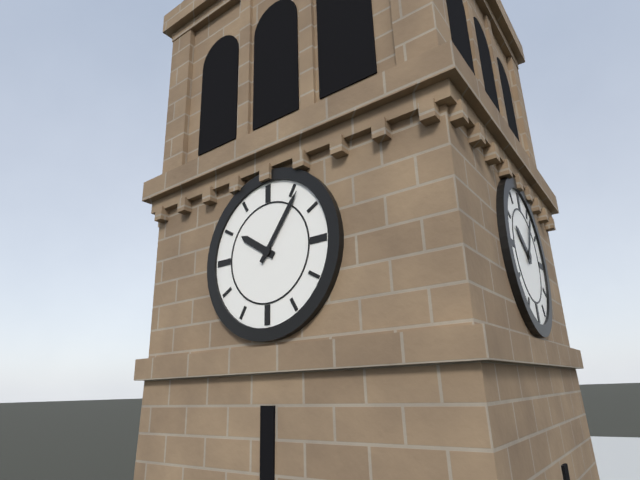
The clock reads 10.06
